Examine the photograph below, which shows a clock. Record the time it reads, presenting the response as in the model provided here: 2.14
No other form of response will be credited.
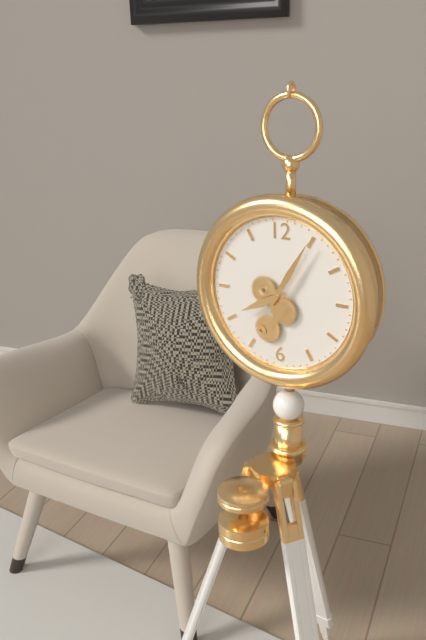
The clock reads 8.05
